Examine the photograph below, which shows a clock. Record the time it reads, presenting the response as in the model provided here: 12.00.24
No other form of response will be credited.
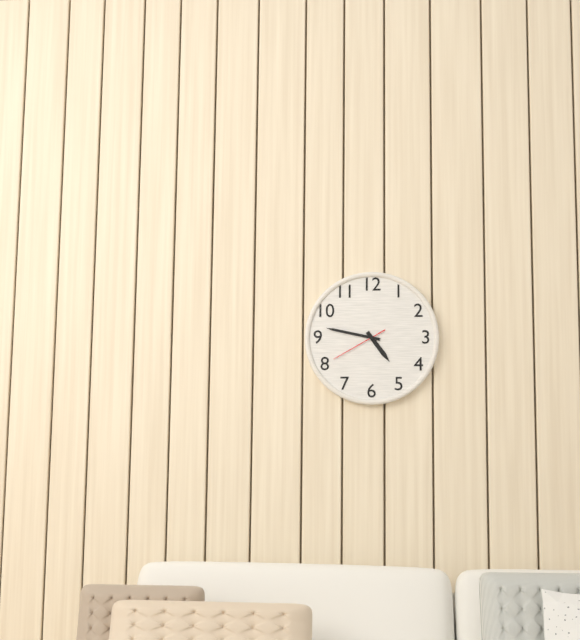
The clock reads 4.47.40
